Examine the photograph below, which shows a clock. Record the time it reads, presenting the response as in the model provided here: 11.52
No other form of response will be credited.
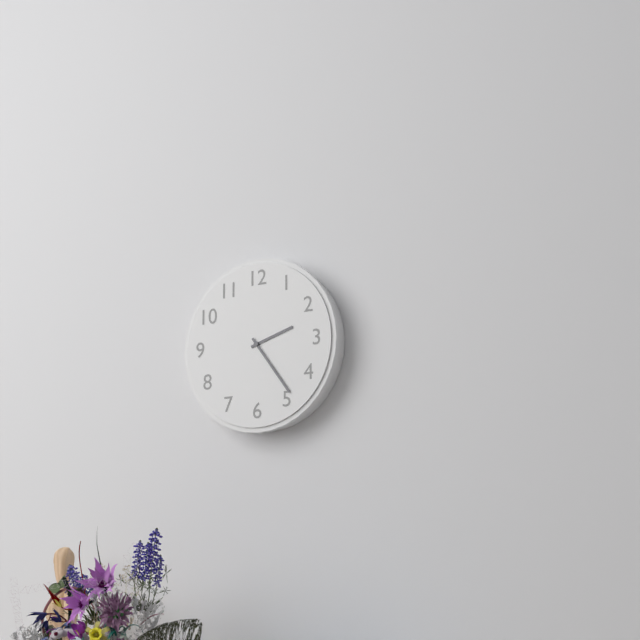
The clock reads 2.24
